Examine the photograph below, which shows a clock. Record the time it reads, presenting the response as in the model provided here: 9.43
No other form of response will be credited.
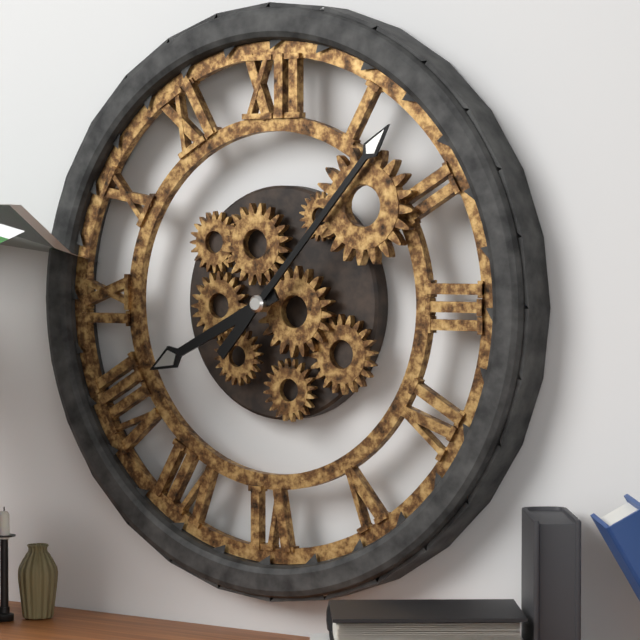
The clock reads 8.07
